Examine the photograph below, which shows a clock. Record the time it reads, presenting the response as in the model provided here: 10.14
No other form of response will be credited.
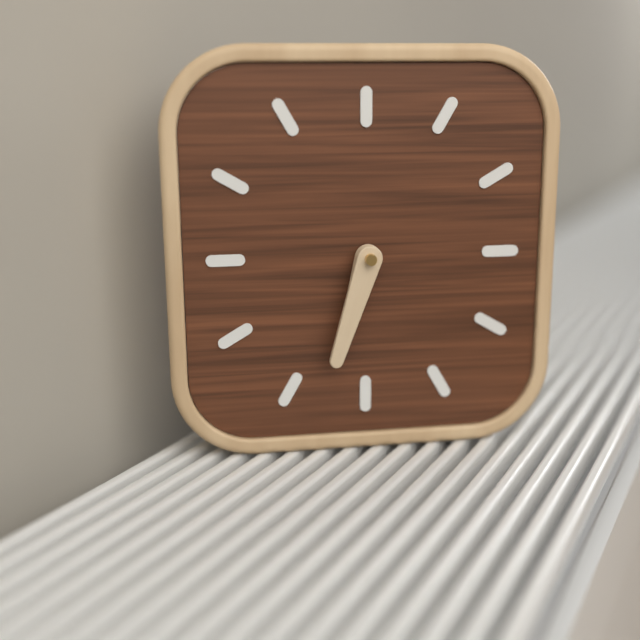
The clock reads 6.33
